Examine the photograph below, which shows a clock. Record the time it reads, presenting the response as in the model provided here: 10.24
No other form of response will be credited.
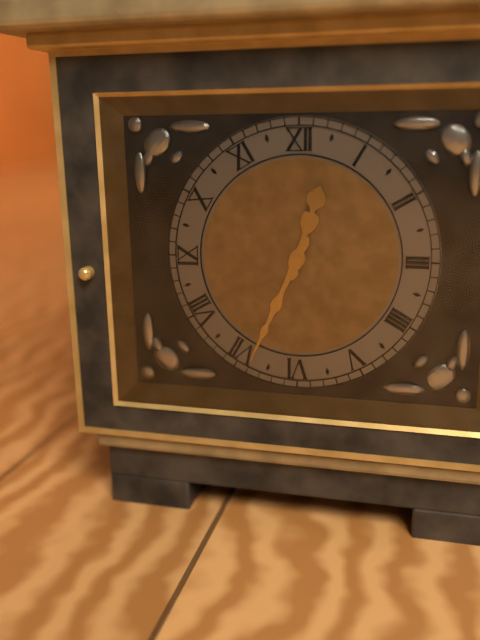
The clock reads 12.34
